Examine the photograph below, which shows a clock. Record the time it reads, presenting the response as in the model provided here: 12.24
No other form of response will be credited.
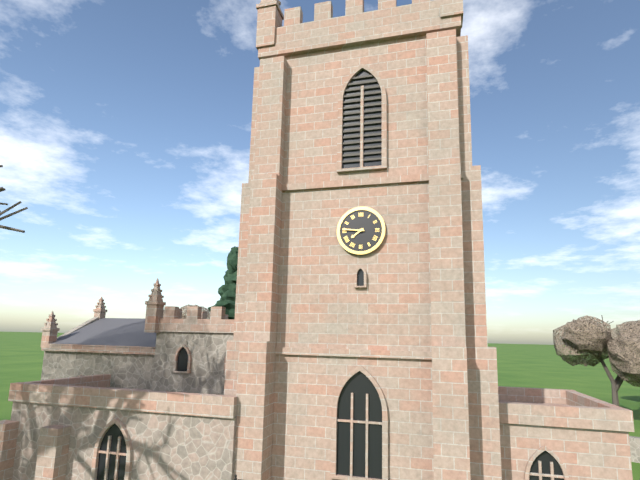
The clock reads 7.46
